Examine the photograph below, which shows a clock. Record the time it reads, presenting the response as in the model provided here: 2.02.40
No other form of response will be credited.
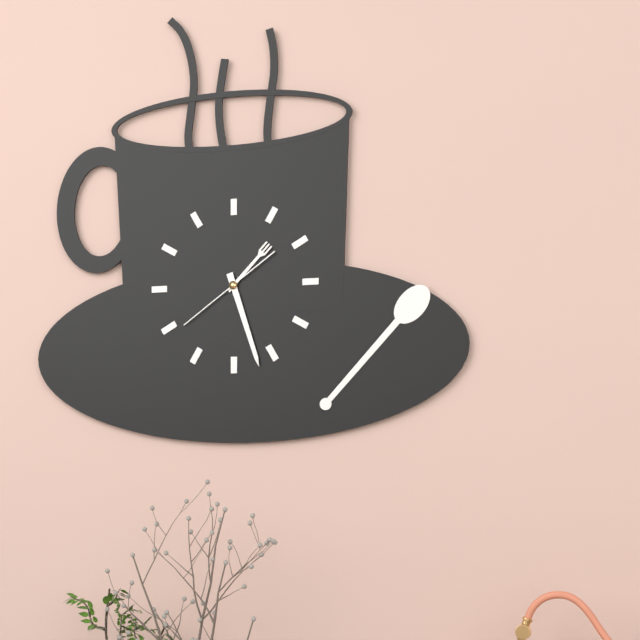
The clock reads 1.27.39
